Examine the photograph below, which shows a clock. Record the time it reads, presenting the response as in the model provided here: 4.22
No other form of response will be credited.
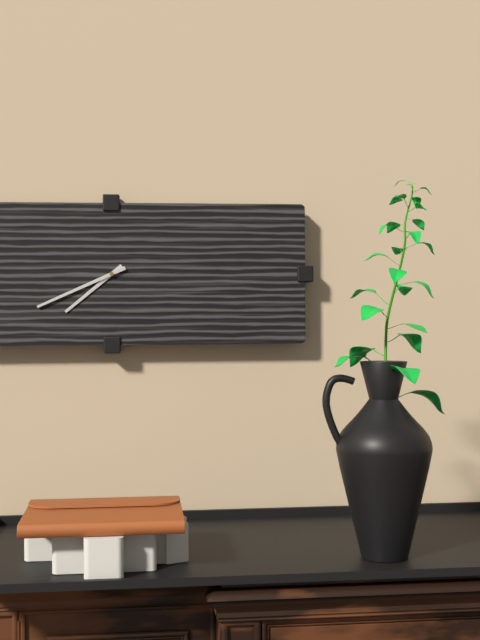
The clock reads 7.41
